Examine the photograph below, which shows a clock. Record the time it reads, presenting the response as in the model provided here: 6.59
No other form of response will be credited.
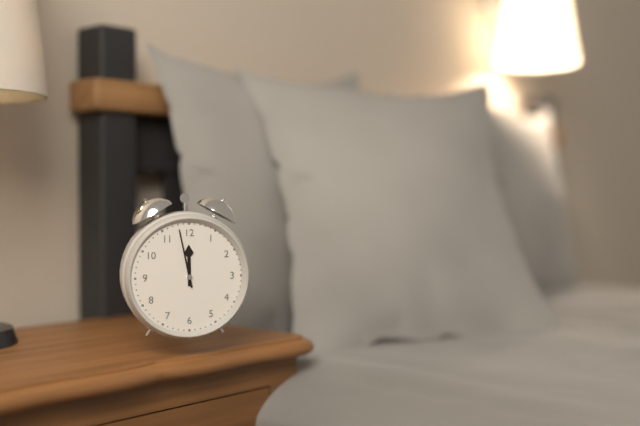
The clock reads 11.58
